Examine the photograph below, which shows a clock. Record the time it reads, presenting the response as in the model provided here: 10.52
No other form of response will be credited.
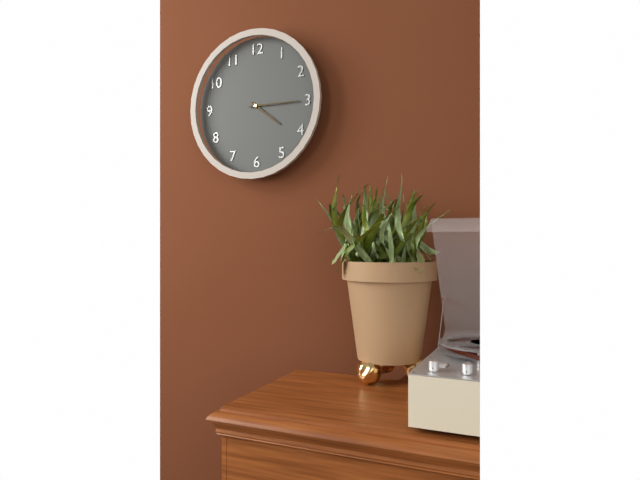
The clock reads 4.15
